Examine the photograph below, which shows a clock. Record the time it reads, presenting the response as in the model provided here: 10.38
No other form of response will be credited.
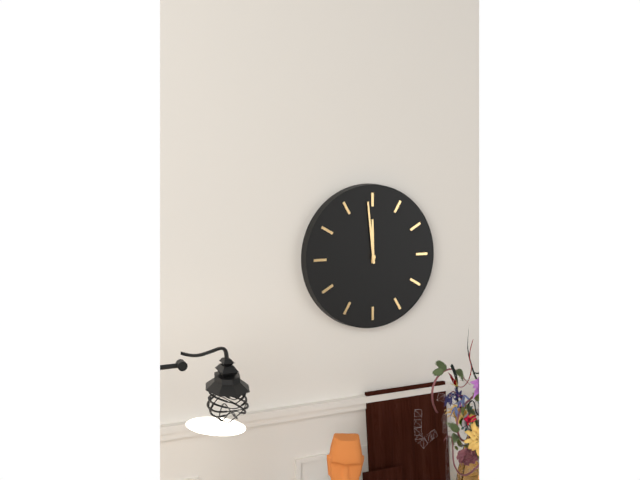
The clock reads 11.59
